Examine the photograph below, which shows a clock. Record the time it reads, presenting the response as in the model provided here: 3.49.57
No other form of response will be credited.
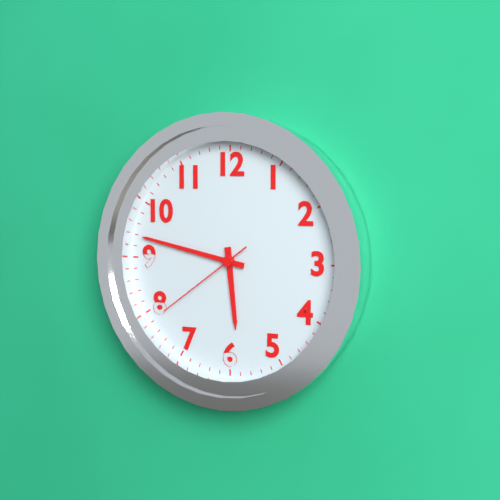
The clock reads 5.47.39
